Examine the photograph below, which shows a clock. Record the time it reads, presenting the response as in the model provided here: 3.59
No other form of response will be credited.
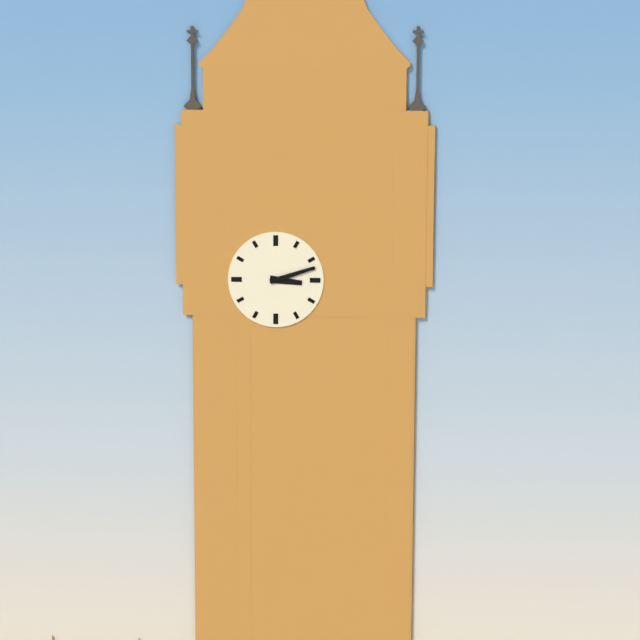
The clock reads 3.12
